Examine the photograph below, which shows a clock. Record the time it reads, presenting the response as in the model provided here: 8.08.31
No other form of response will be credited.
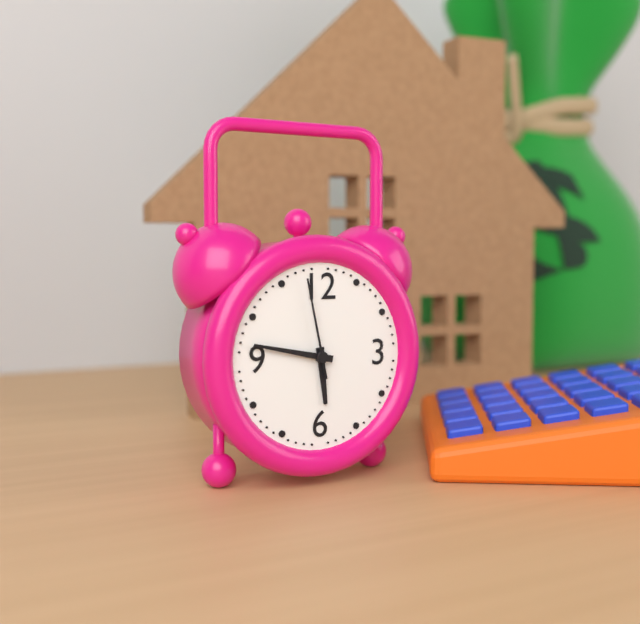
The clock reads 5.47.58
